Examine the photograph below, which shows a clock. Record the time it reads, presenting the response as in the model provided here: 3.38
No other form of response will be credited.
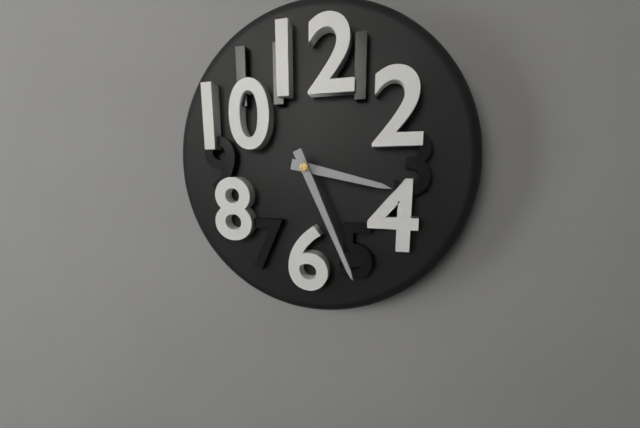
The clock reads 3.26
